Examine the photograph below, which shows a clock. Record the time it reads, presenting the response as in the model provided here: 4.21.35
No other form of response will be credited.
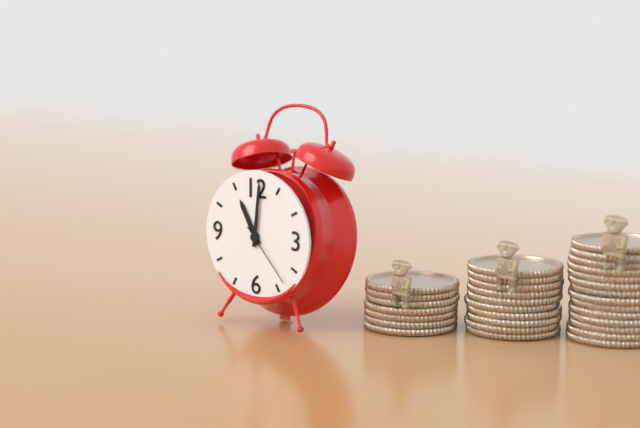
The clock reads 11.01.23
